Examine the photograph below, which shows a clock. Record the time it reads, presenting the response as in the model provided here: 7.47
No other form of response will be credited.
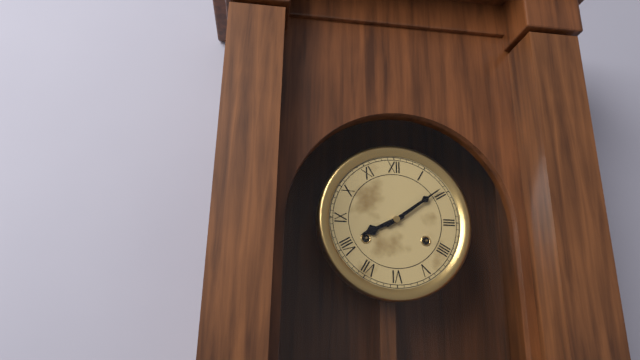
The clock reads 8.09
